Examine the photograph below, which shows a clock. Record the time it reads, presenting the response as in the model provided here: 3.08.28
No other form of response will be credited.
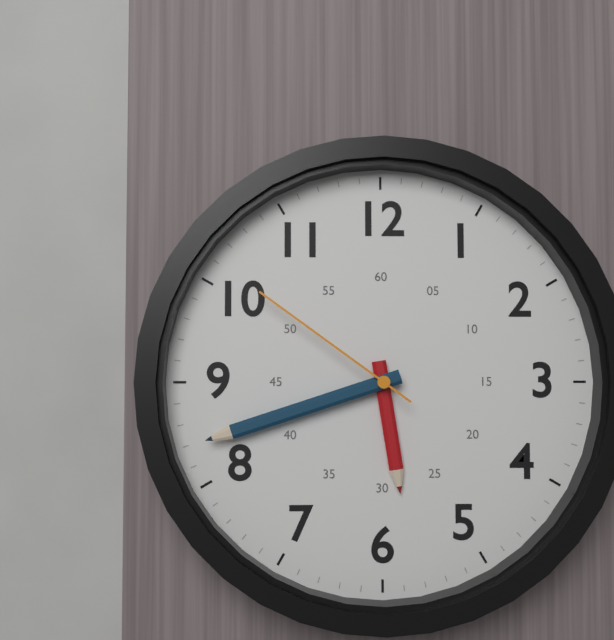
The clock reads 5.42.51
